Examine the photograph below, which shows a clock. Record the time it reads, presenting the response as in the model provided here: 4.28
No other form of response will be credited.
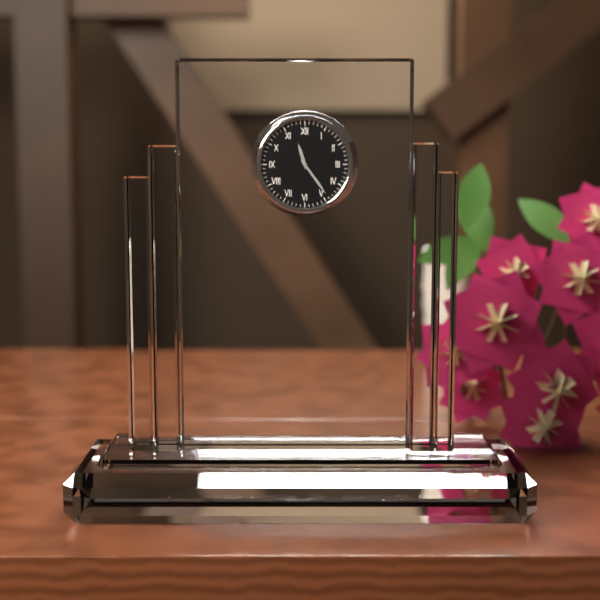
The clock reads 11.24
